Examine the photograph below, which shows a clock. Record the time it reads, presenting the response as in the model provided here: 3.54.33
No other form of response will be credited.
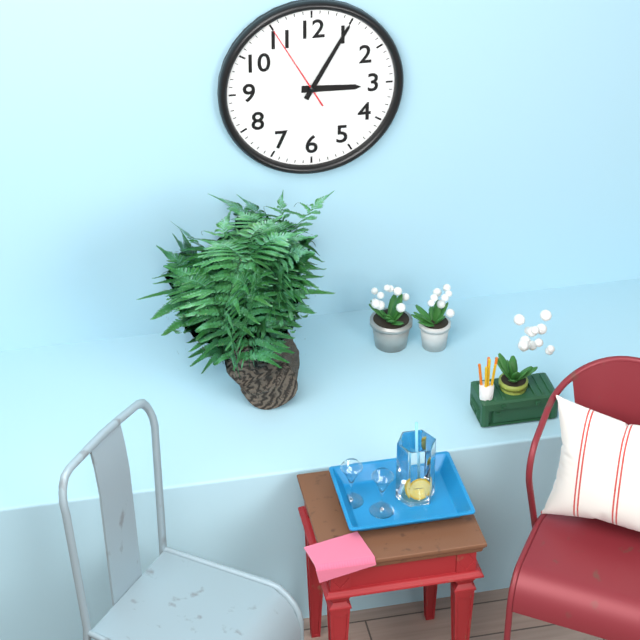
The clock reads 3.05.55
